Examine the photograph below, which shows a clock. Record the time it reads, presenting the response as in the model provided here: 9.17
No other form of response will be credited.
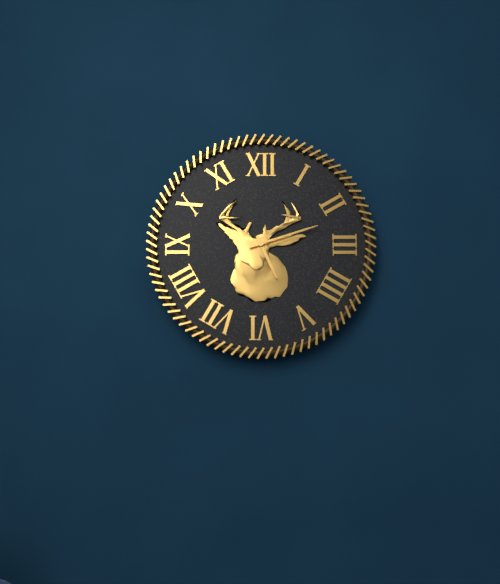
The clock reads 5.12
